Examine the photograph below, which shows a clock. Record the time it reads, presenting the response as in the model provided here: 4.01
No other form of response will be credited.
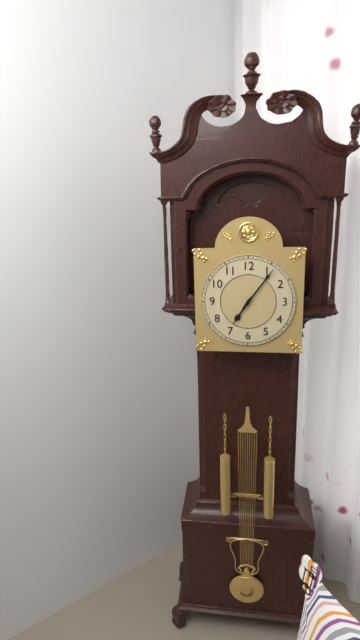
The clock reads 7.06
